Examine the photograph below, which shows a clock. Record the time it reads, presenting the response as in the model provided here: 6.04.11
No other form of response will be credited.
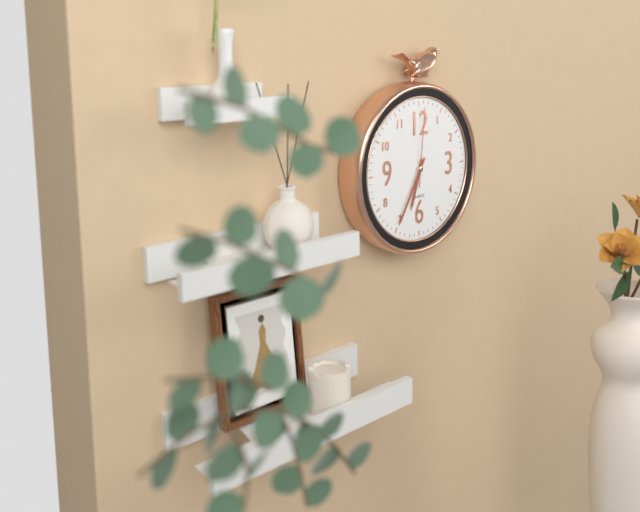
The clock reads 6.35.01
